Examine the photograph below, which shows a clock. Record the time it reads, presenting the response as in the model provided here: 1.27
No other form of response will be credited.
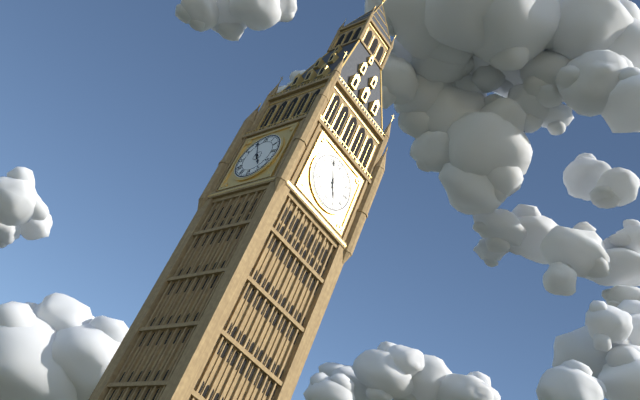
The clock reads 4.56
